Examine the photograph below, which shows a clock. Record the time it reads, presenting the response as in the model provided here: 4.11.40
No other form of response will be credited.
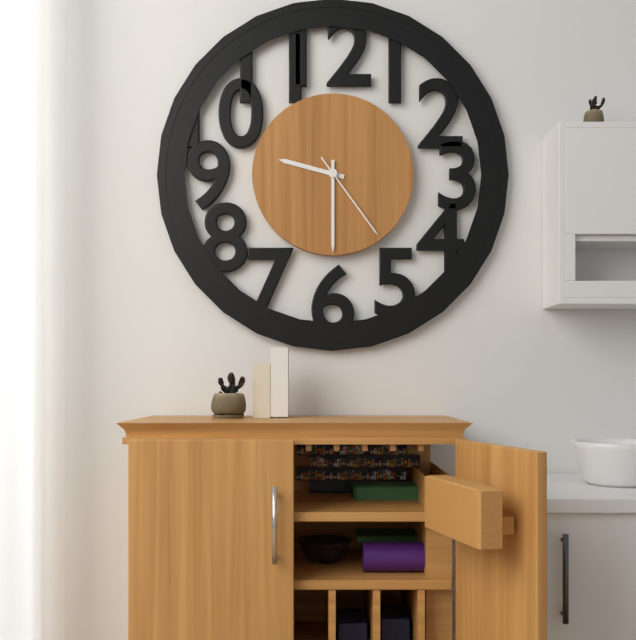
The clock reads 9.30.24
